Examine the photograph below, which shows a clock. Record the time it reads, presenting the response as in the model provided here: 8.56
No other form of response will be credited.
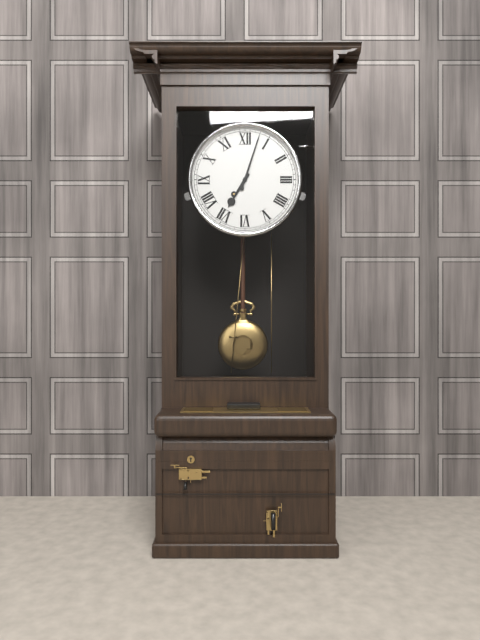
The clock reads 7.03
